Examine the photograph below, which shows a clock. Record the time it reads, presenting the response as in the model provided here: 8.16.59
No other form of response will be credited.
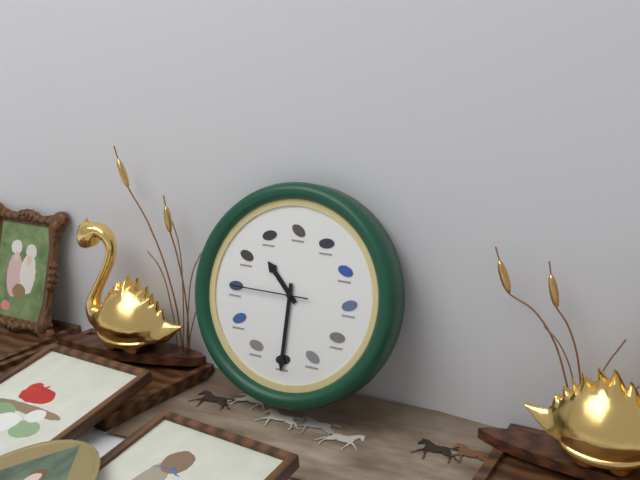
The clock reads 10.30.45
